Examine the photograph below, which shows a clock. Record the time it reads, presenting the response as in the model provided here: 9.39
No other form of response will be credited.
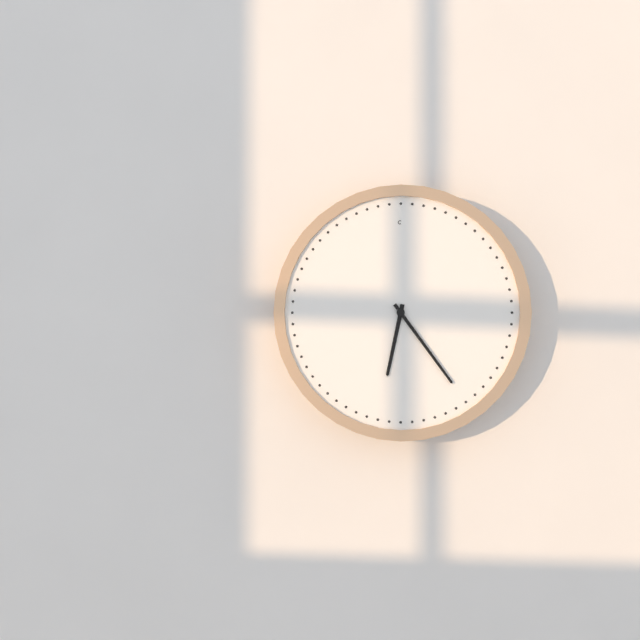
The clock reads 6.24
